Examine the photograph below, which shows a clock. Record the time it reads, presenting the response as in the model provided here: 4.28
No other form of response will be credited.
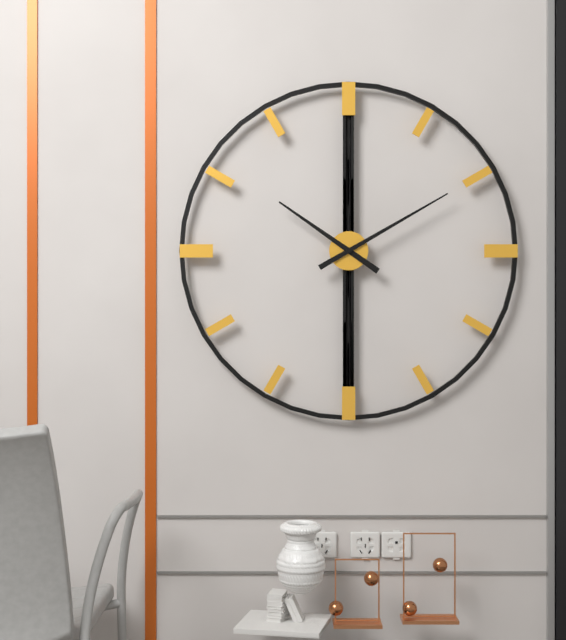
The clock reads 10.10
